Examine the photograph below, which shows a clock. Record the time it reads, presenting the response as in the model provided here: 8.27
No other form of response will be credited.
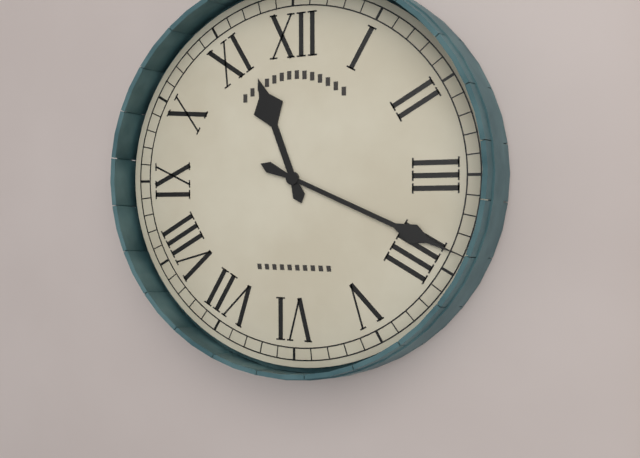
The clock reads 11.19
